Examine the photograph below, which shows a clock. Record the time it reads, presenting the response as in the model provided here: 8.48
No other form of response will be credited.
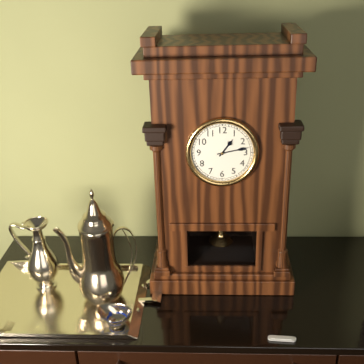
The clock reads 1.13
